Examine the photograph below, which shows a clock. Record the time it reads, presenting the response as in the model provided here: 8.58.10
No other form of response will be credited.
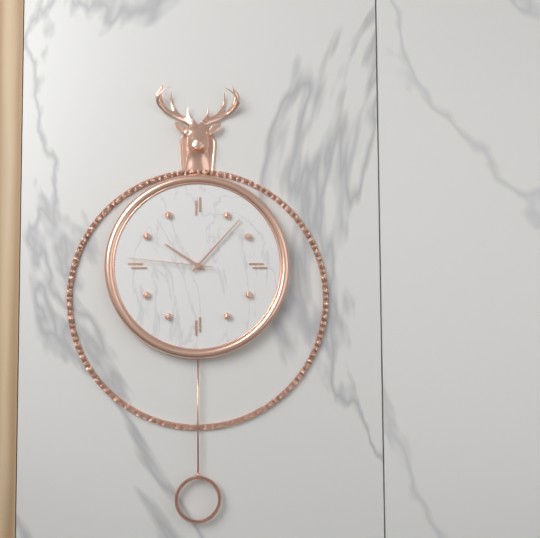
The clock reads 10.07.46
